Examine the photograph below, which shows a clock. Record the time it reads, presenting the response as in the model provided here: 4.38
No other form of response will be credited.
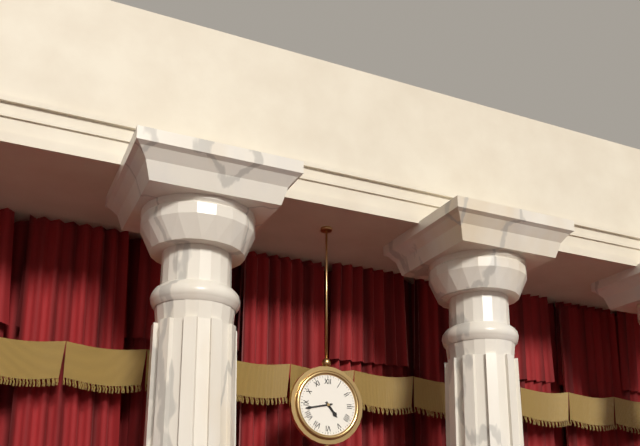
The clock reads 4.43
